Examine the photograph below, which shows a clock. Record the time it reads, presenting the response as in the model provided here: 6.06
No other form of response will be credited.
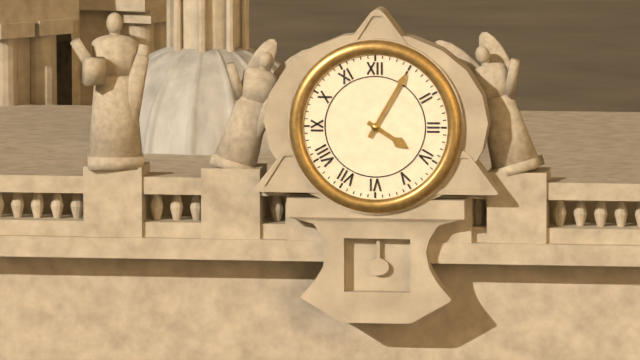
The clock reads 4.05
